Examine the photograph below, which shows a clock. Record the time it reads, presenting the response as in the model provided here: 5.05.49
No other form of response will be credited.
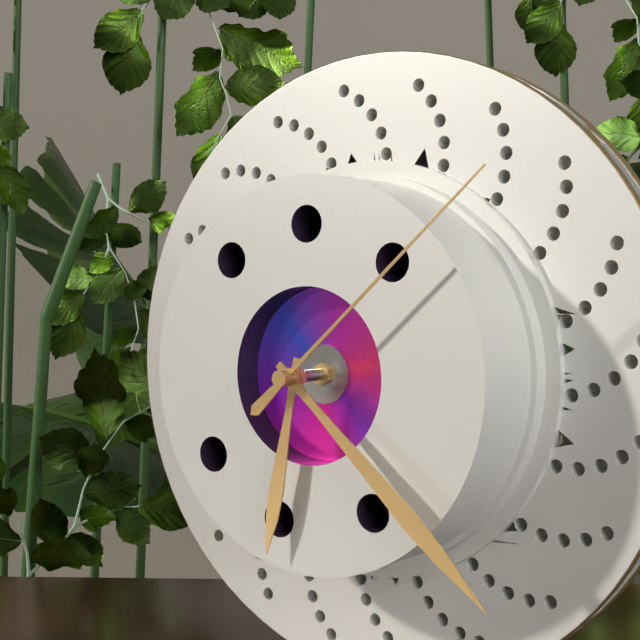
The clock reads 6.22.08
